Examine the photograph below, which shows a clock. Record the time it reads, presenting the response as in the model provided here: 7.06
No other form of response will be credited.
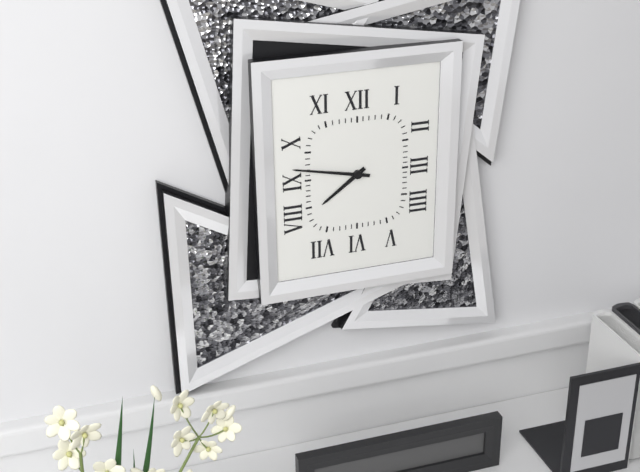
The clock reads 7.47
